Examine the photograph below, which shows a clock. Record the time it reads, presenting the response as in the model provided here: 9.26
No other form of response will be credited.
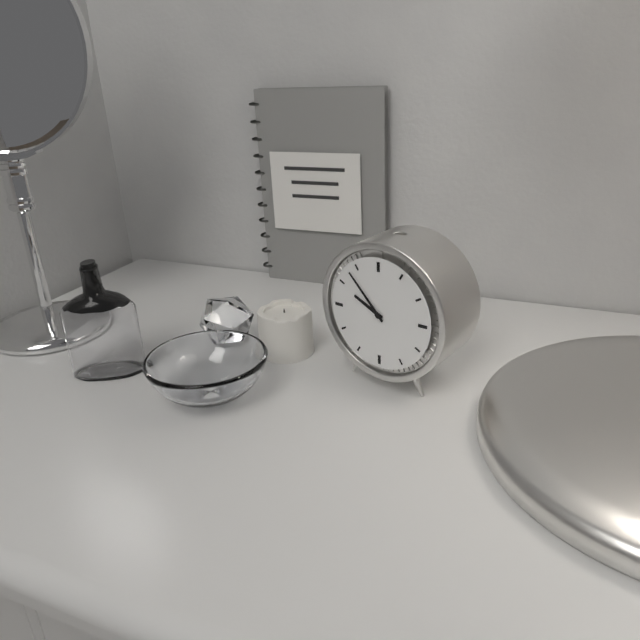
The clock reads 9.53
